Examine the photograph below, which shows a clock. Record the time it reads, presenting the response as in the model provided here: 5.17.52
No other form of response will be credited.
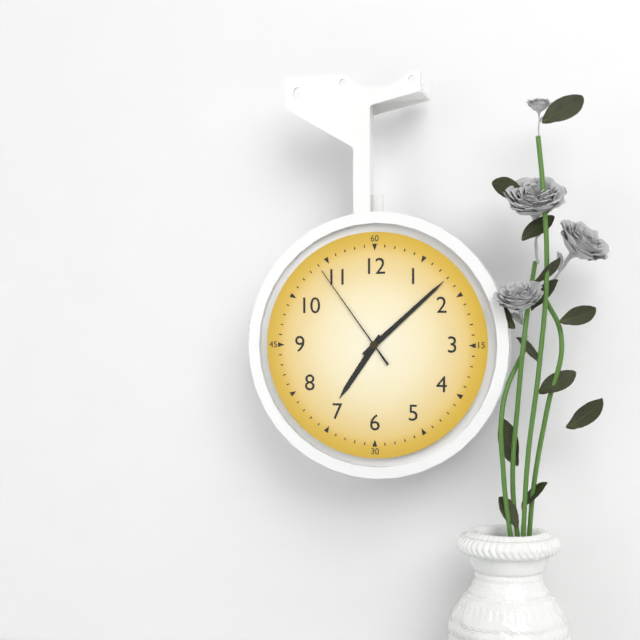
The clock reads 7.08.54
